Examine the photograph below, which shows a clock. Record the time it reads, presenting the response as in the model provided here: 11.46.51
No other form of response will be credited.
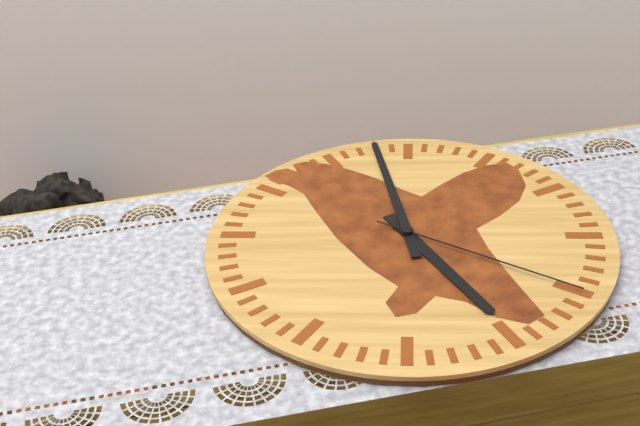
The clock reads 4.58.20
